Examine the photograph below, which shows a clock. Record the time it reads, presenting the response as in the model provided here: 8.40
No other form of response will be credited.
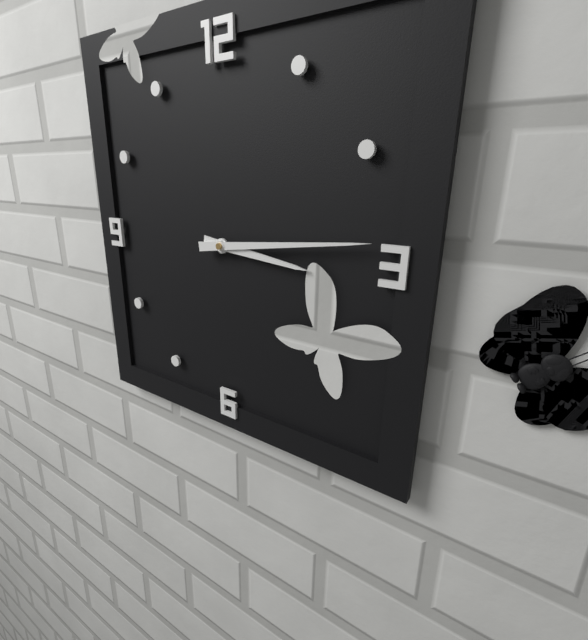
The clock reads 3.14
